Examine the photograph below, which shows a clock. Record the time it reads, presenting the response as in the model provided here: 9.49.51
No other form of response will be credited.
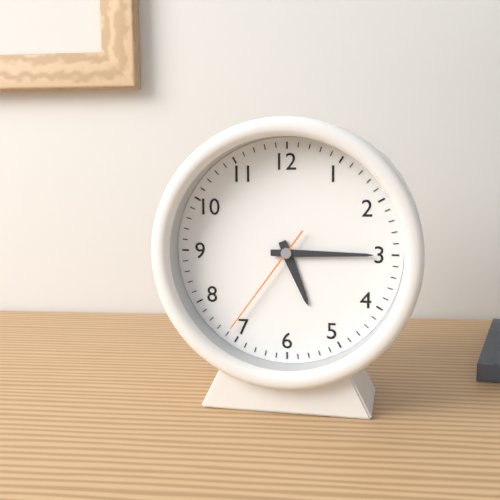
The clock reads 5.15.36
